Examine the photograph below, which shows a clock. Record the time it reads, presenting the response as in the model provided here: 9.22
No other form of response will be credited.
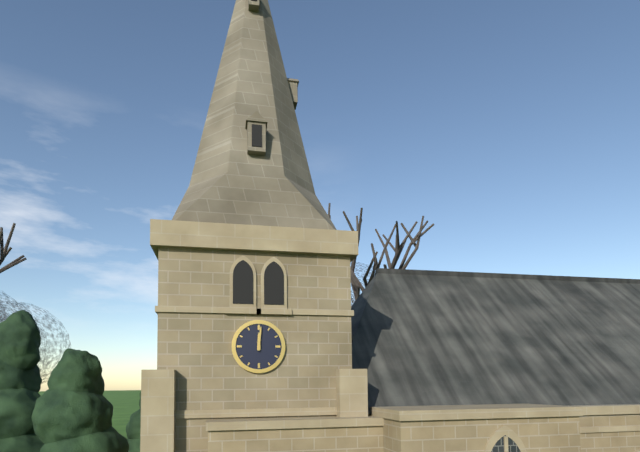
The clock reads 12.01
